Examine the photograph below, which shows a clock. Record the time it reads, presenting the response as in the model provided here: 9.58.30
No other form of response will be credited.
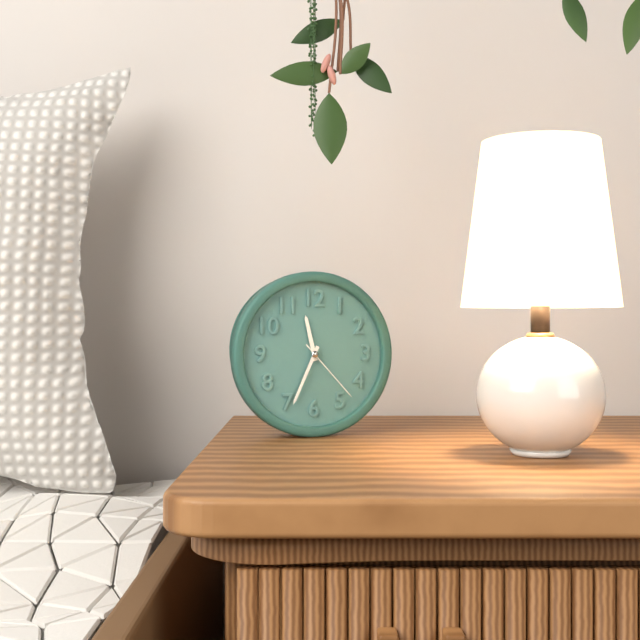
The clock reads 11.34.23
